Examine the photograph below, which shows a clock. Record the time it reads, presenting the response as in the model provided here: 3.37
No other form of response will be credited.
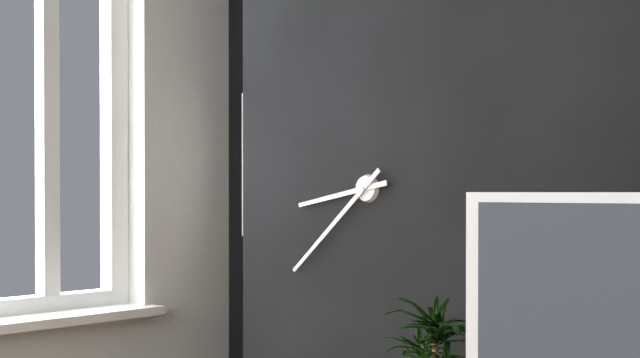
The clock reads 8.38
